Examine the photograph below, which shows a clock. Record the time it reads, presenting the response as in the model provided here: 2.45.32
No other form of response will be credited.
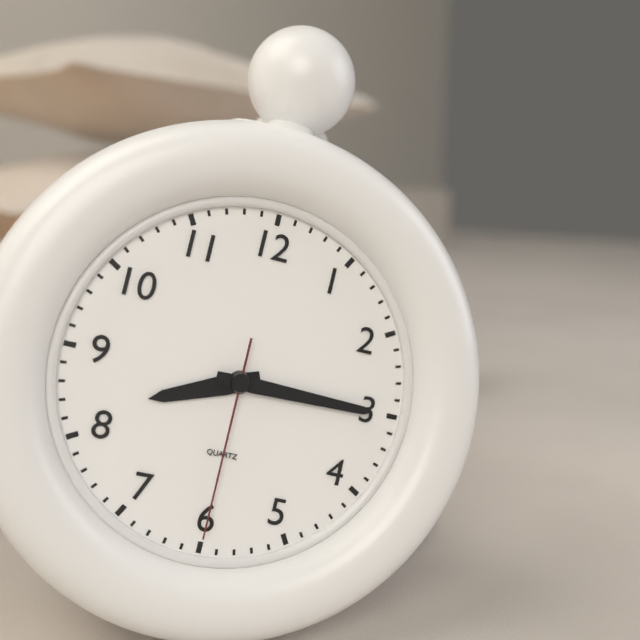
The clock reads 8.15.30
